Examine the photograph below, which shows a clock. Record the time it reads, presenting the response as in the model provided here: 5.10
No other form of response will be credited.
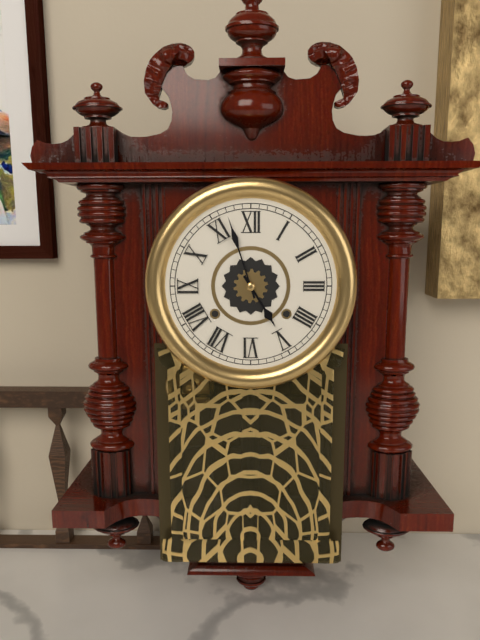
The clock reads 4.57
